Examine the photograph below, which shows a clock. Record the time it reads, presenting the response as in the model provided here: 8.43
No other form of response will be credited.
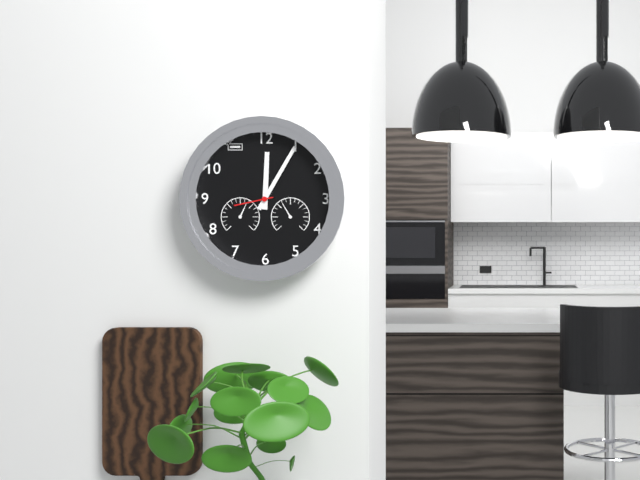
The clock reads 12.05
